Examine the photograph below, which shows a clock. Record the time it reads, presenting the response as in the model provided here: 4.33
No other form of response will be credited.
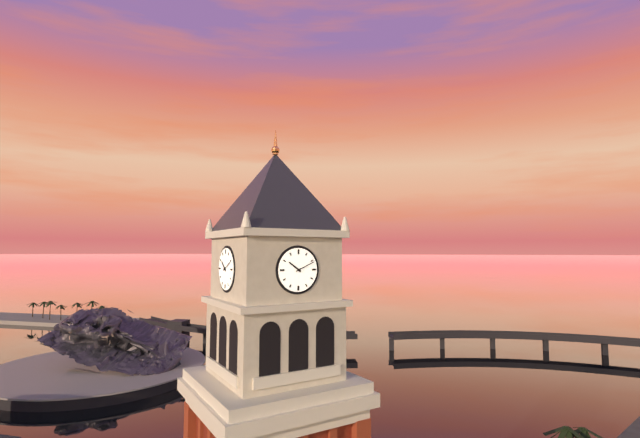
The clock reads 10.11
